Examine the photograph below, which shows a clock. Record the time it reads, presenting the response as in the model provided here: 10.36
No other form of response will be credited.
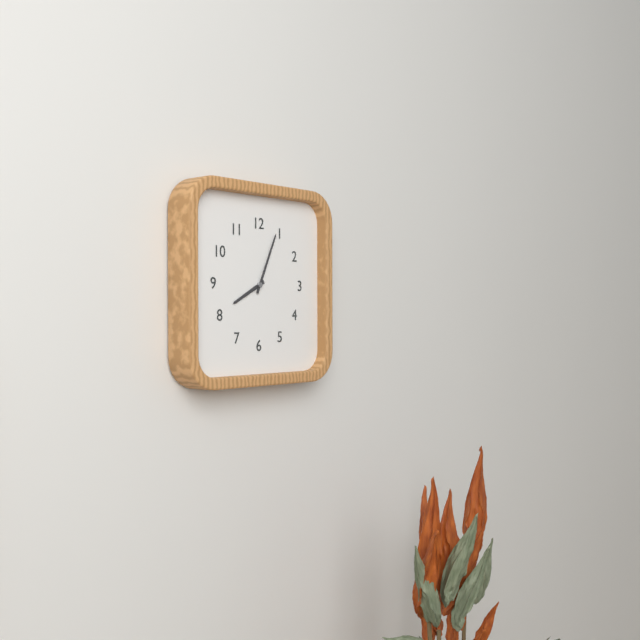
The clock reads 8.04
